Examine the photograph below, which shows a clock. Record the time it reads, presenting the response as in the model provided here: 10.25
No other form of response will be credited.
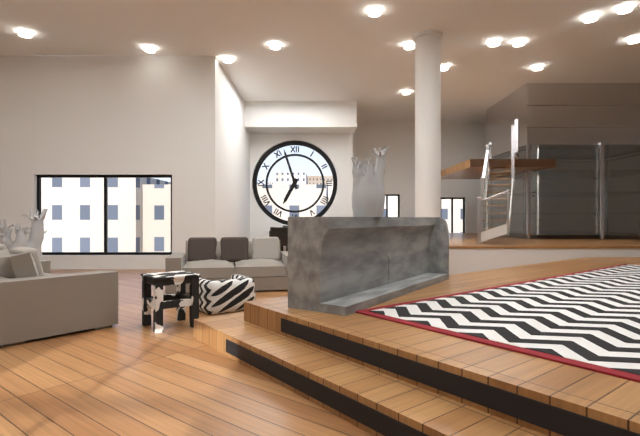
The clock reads 6.57
